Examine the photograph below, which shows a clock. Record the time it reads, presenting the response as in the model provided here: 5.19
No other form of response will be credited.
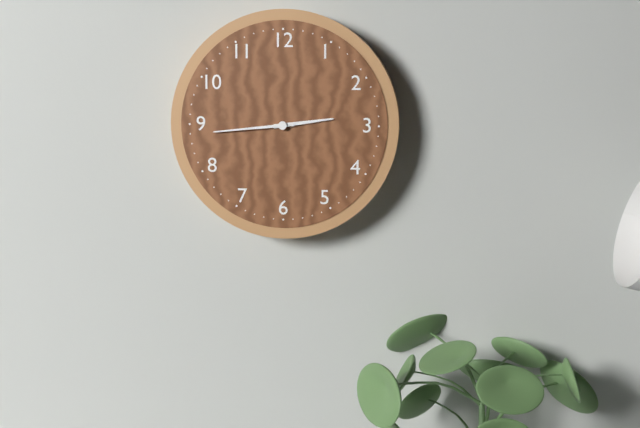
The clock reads 2.44
